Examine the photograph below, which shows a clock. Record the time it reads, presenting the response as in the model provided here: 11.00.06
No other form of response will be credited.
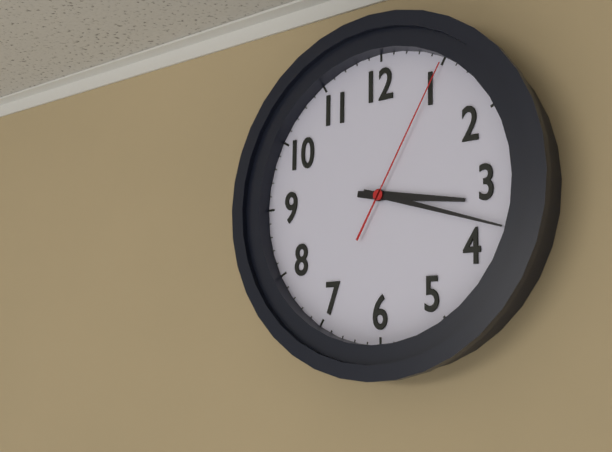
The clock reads 3.18.05
